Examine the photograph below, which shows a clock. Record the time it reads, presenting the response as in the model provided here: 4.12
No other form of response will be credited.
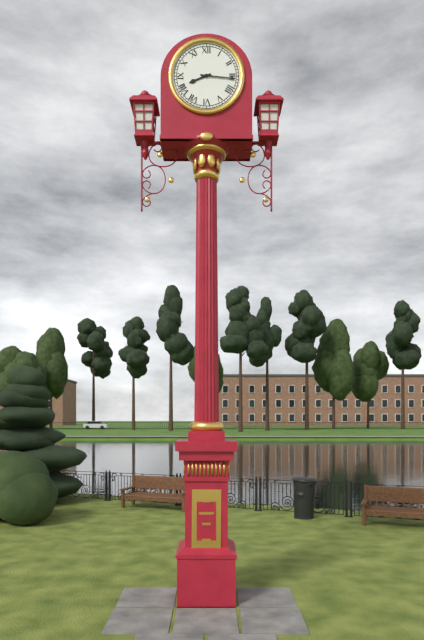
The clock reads 8.16
